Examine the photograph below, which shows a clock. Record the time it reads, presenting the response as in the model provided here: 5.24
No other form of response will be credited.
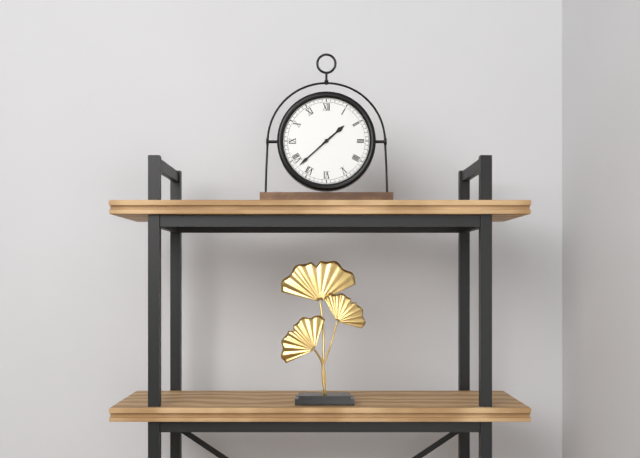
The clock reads 1.38
